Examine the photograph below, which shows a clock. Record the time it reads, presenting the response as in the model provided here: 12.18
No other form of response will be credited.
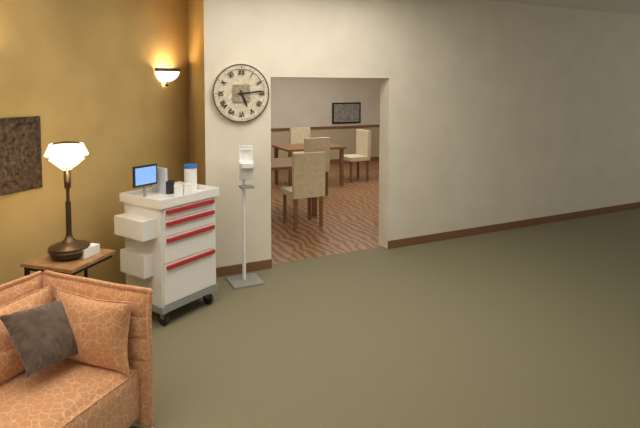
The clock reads 5.14
